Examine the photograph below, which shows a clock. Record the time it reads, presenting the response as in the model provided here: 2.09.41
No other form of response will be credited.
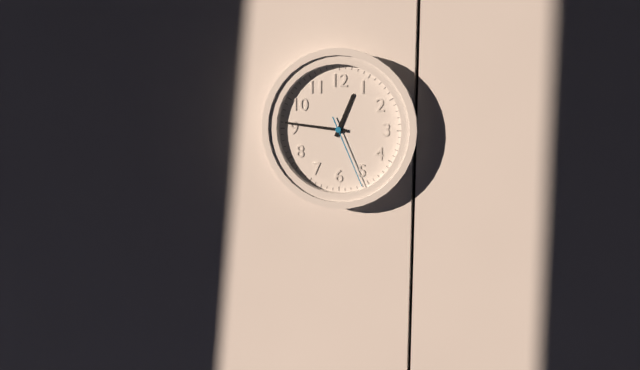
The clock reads 12.46.26
